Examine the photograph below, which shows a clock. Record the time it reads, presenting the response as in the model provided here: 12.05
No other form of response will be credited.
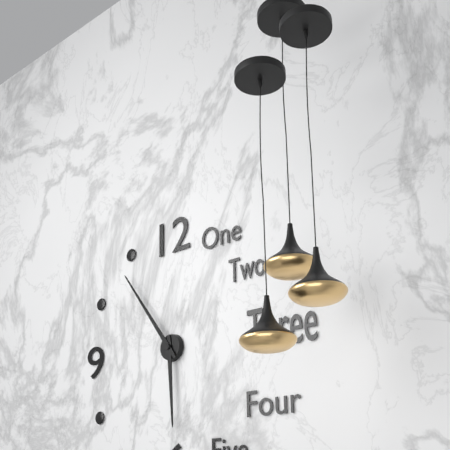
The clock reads 5.54
